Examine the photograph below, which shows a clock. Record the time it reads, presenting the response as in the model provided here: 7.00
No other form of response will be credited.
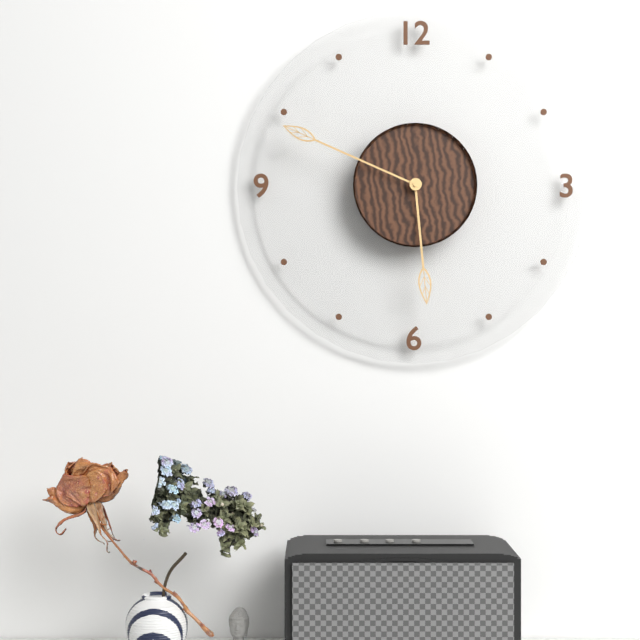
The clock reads 5.49
